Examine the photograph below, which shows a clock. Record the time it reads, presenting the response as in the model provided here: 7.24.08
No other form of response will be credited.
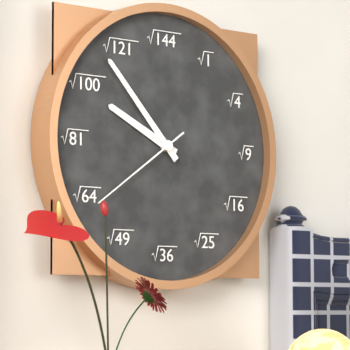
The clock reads 9.53.39
